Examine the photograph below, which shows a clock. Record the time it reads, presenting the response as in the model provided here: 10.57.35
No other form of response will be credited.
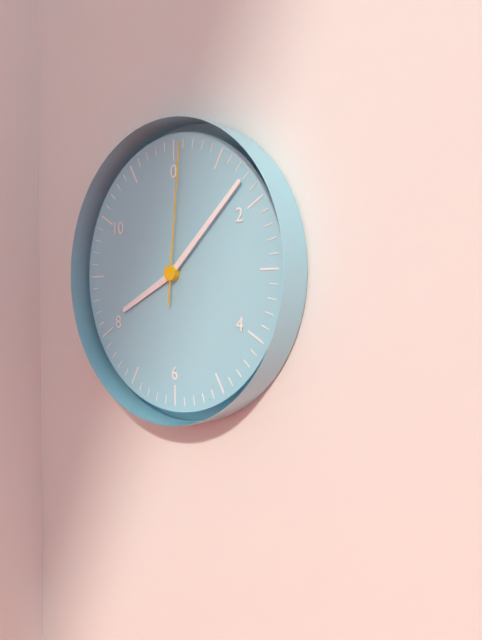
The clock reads 8.08.01
